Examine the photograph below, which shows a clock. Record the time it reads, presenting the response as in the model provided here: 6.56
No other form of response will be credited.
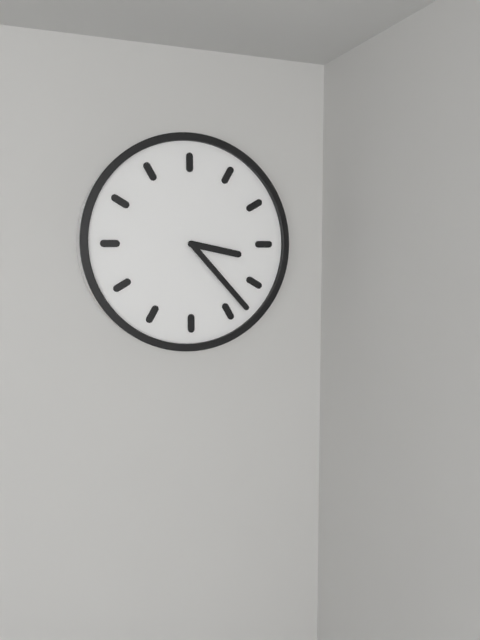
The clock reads 3.23
